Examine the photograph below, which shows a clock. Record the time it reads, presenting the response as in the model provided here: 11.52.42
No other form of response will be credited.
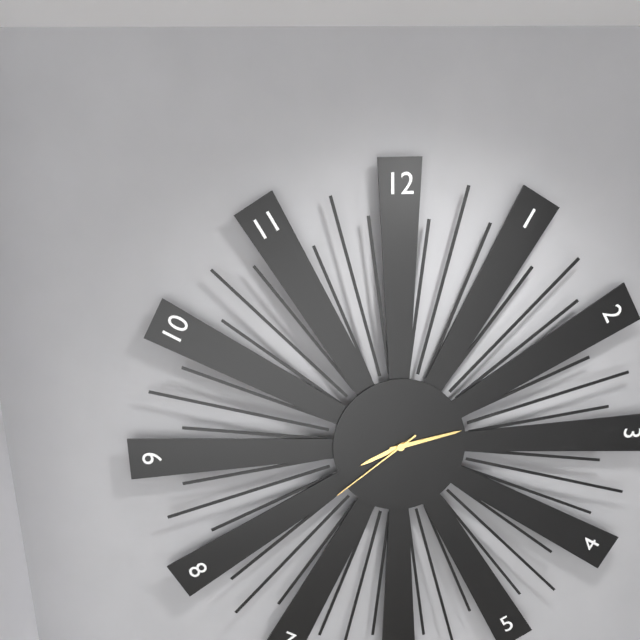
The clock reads 8.13.39
